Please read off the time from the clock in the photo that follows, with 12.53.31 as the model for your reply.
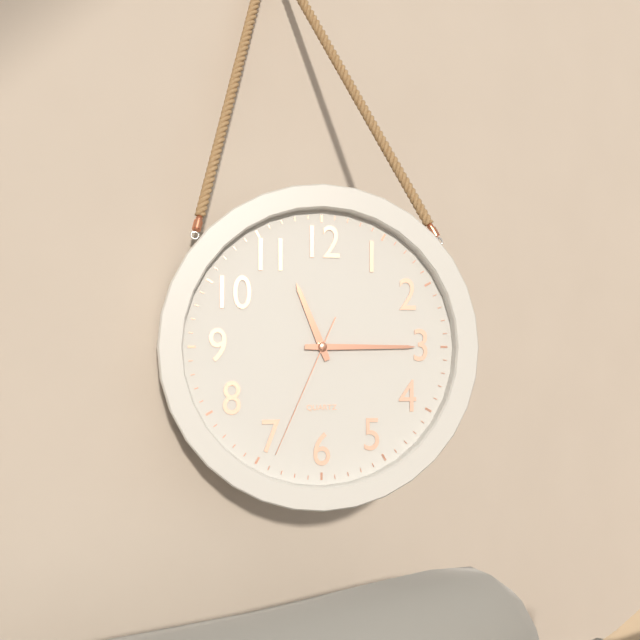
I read 11.15.34
